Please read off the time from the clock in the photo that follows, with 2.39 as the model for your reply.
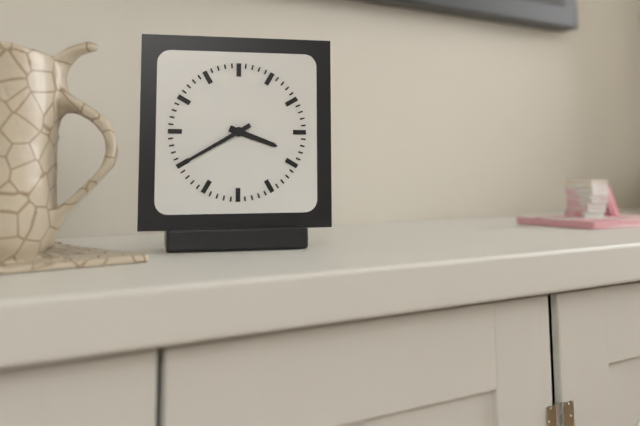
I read 3.40
